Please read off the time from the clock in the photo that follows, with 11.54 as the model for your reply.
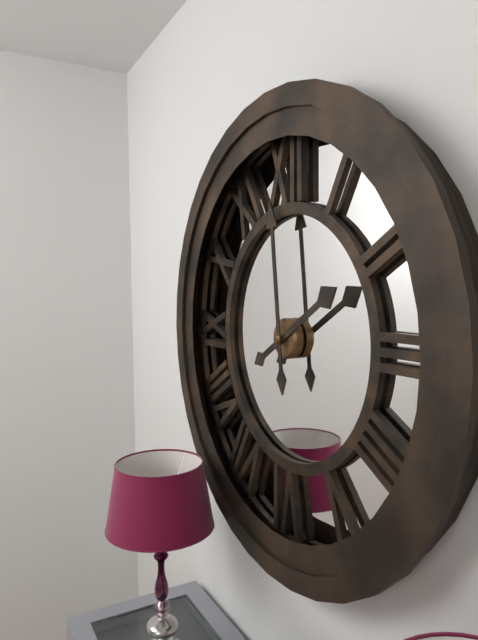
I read 1.59
